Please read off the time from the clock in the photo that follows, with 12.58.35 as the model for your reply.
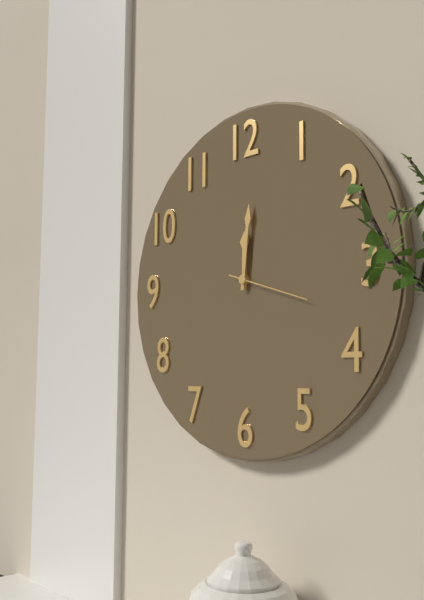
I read 12.01.18
